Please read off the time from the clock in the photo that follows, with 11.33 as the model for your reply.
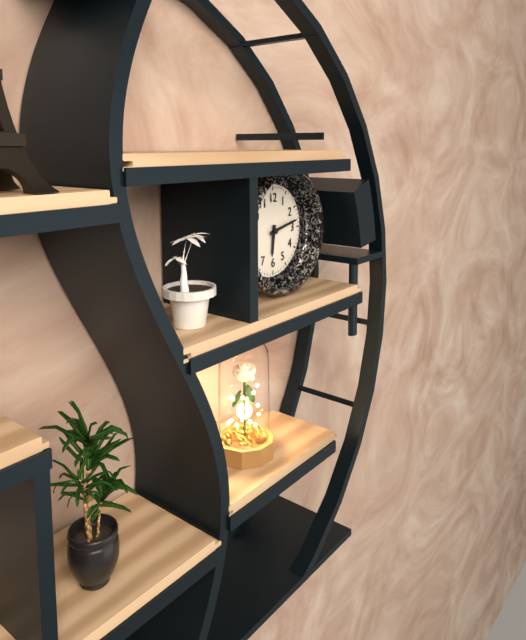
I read 6.13
